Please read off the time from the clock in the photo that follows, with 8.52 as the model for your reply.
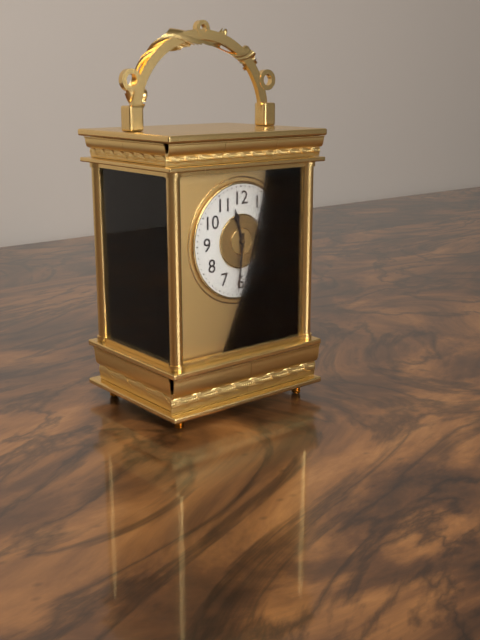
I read 11.31
